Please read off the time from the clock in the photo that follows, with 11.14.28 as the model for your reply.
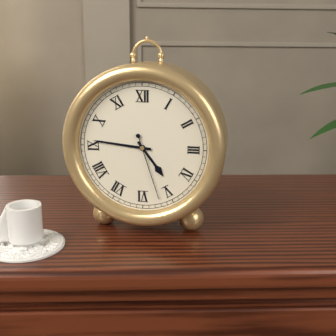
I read 4.46.27
